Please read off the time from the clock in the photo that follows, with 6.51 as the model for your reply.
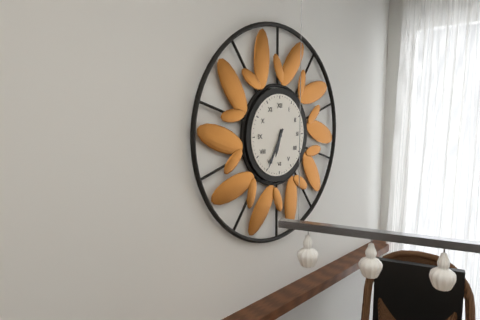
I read 6.35
